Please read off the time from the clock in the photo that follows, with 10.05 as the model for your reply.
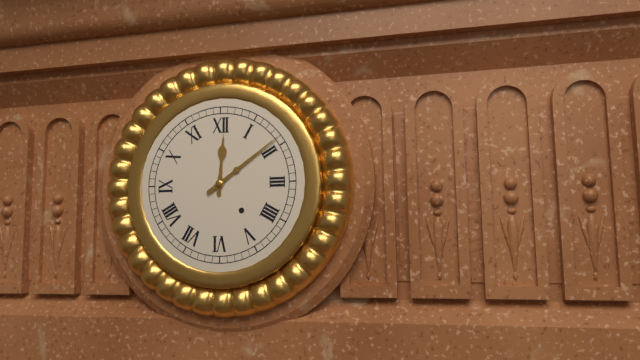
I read 12.09
